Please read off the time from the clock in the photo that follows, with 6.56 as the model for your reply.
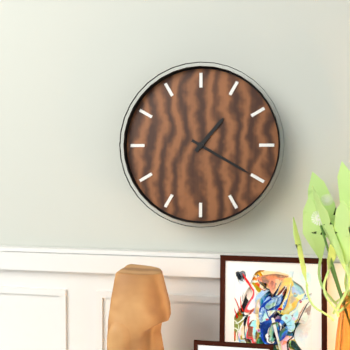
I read 1.20
